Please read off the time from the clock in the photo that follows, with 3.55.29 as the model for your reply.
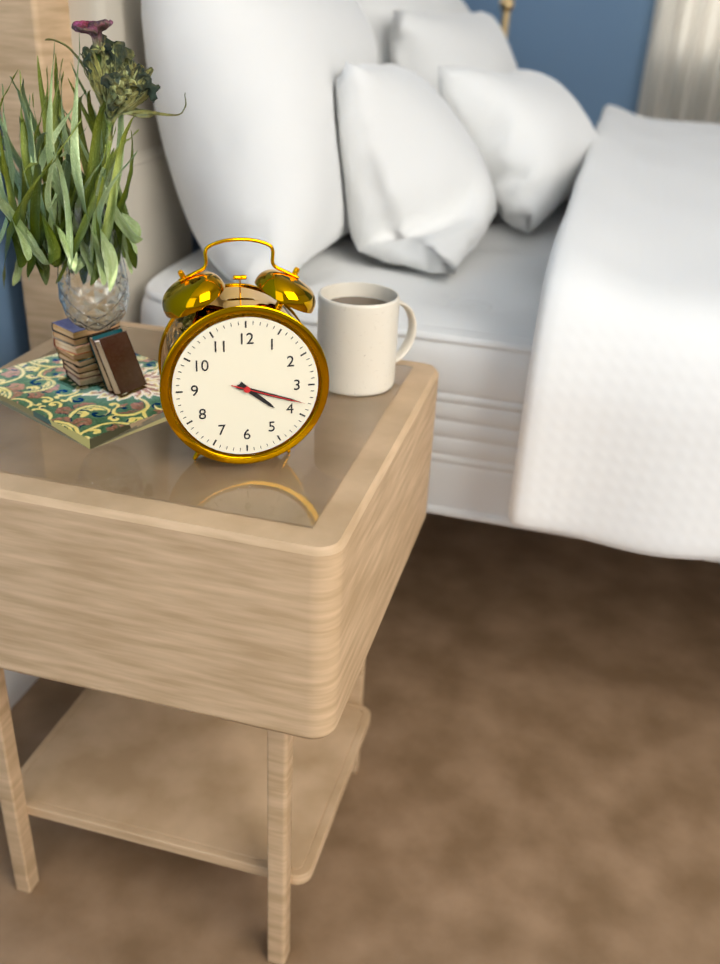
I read 4.18.18
